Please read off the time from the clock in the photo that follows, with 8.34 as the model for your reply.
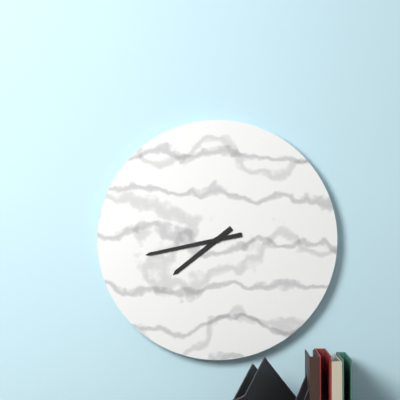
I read 7.43
